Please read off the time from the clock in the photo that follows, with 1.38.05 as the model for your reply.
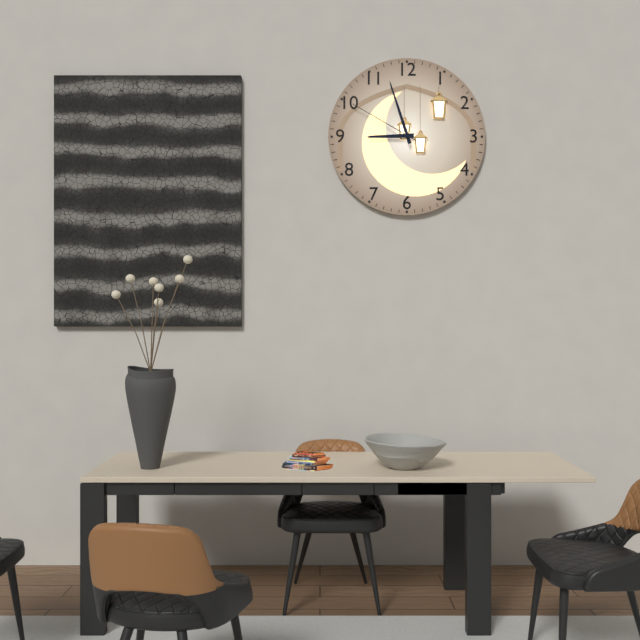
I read 8.57.50
